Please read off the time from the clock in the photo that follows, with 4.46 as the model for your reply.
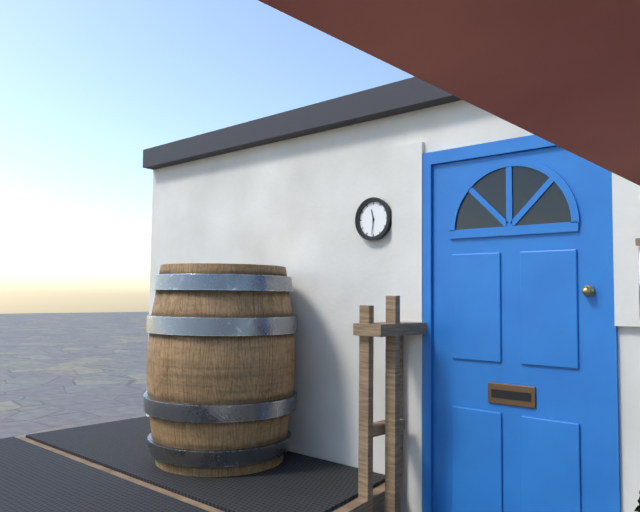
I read 11.31
